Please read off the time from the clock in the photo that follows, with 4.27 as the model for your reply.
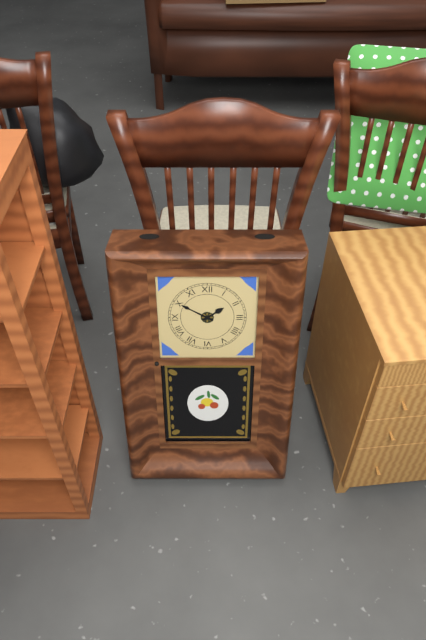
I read 1.50
